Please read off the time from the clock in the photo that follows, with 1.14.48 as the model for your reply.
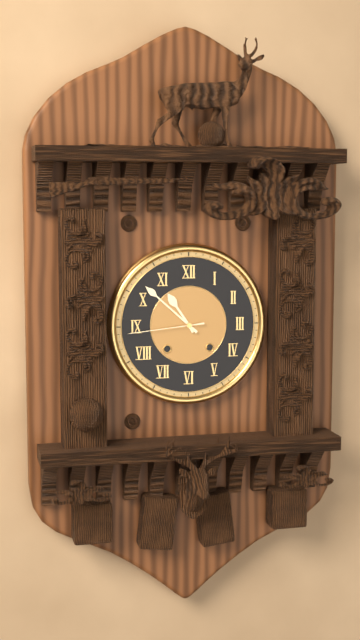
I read 10.52.44
